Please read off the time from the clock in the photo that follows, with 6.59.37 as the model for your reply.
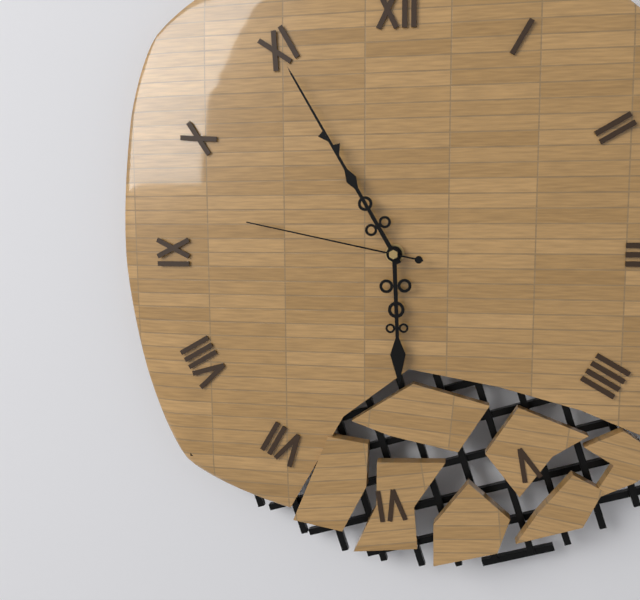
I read 5.55.47
